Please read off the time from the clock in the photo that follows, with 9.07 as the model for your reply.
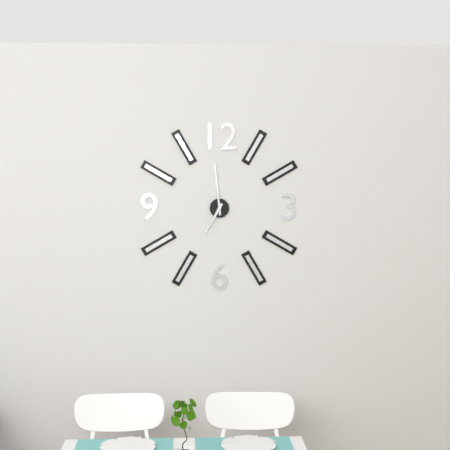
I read 6.59
